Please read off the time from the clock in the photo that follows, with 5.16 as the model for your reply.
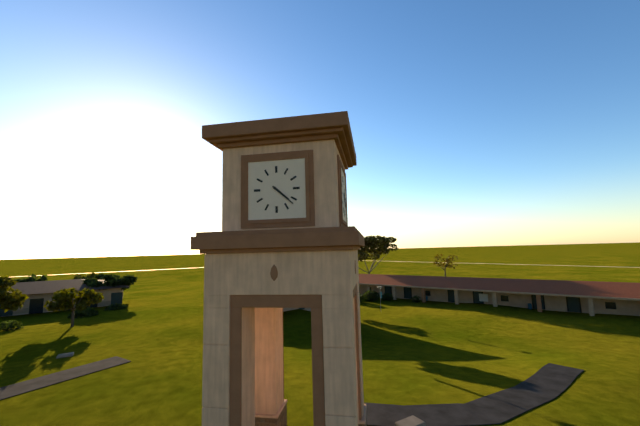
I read 4.22
